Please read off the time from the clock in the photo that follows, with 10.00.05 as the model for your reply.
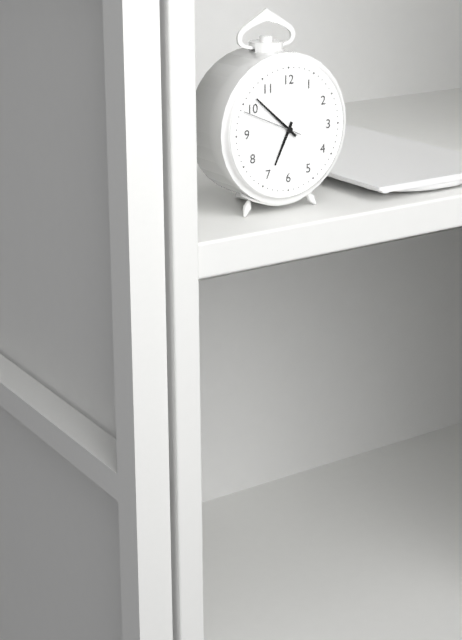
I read 6.52.49
